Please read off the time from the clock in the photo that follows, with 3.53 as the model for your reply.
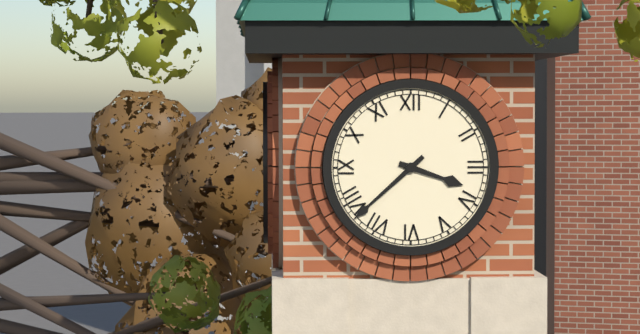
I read 3.38
